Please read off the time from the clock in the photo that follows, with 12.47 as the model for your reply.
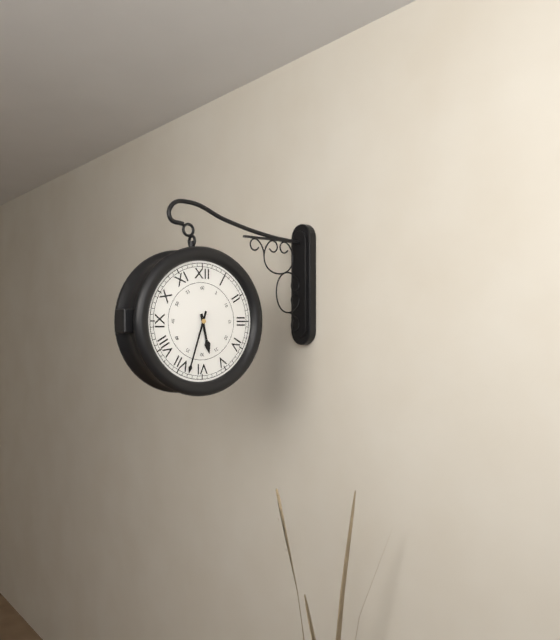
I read 5.33
